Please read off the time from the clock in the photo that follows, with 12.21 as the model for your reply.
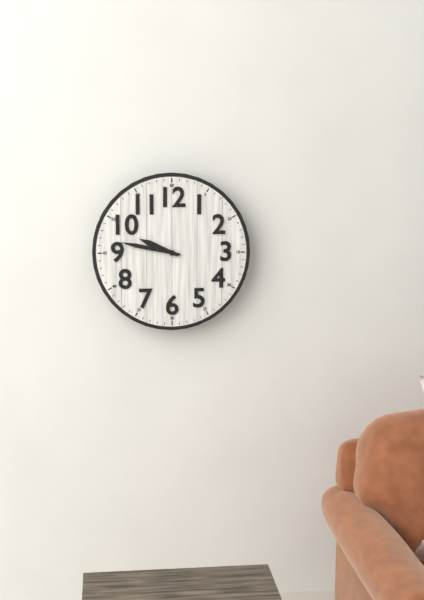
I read 9.47
